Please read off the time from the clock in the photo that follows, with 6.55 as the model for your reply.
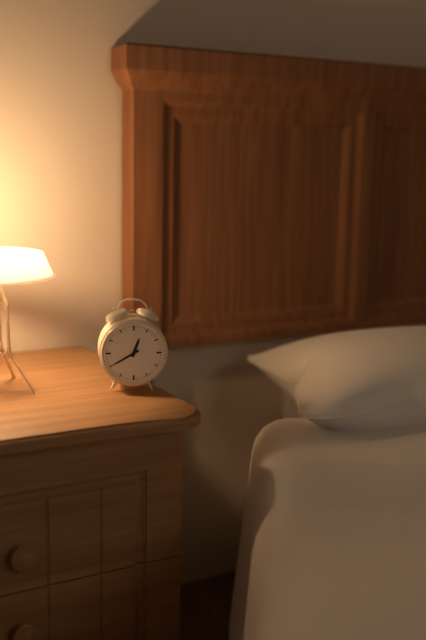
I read 12.40
